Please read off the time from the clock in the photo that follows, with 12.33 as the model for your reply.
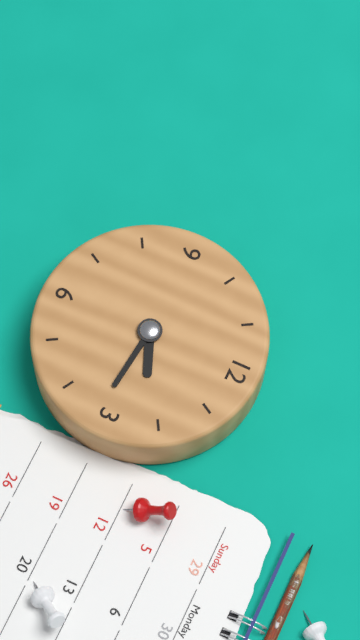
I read 2.16
